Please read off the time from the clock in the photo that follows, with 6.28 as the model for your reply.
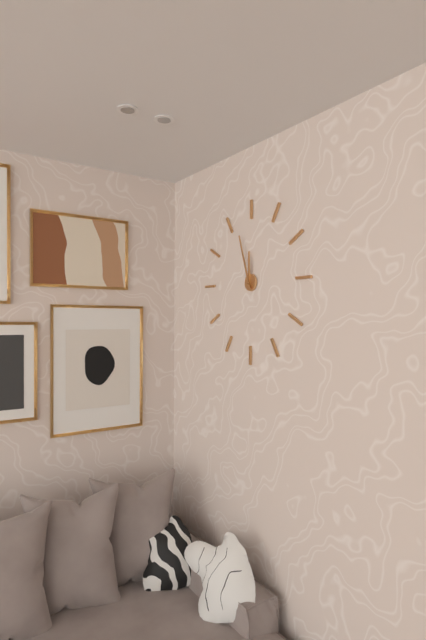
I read 11.57
